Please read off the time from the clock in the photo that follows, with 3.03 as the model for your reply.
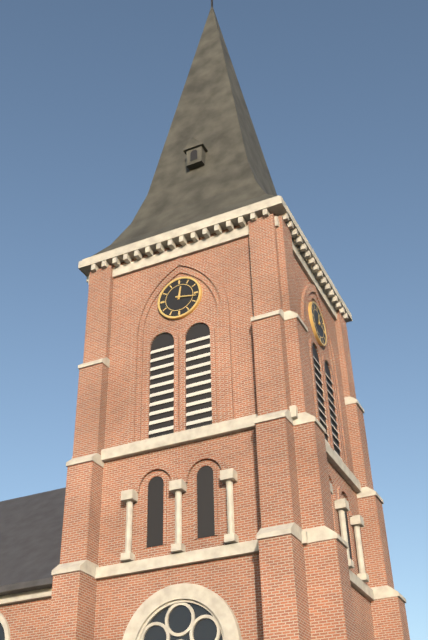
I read 12.17
